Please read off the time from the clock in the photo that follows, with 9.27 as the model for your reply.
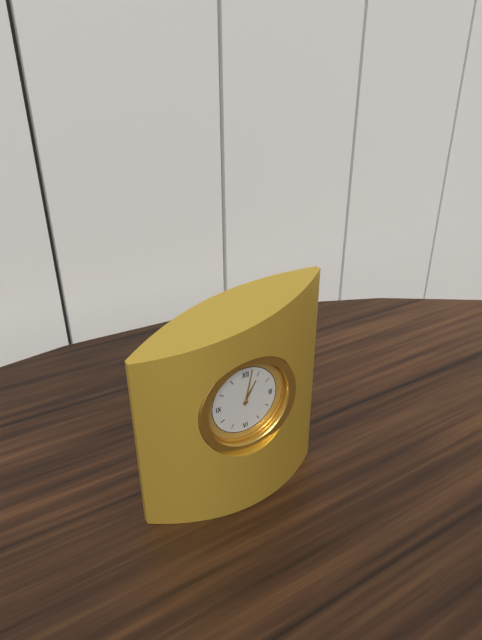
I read 1.02
